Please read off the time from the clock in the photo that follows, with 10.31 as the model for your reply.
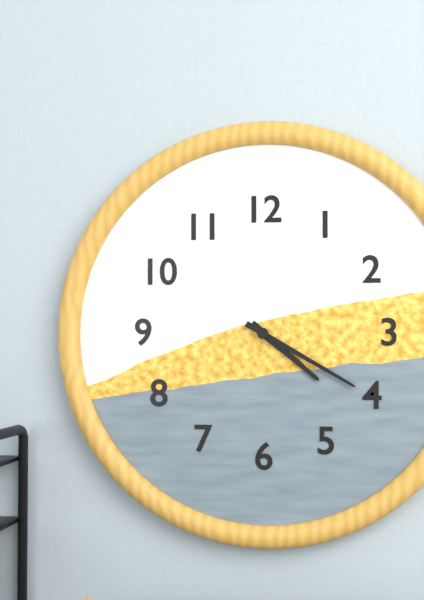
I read 4.20
